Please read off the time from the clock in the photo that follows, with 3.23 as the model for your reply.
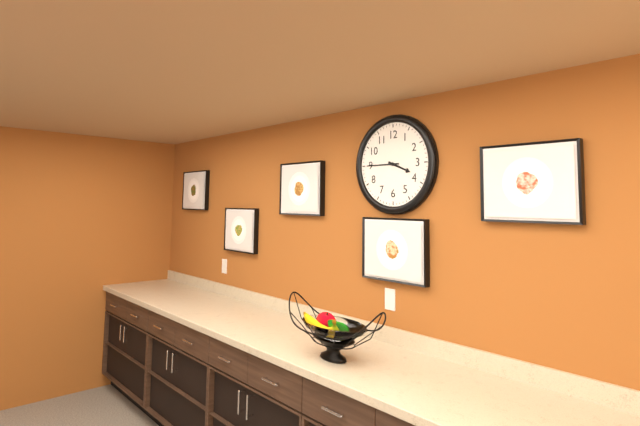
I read 3.45
